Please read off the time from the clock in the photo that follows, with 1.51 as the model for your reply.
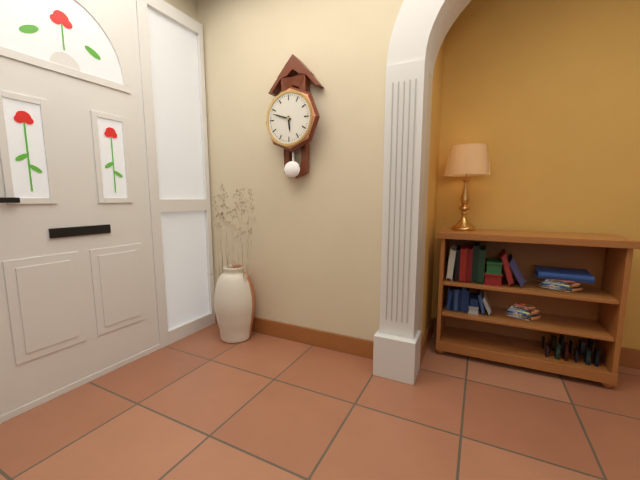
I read 5.48
